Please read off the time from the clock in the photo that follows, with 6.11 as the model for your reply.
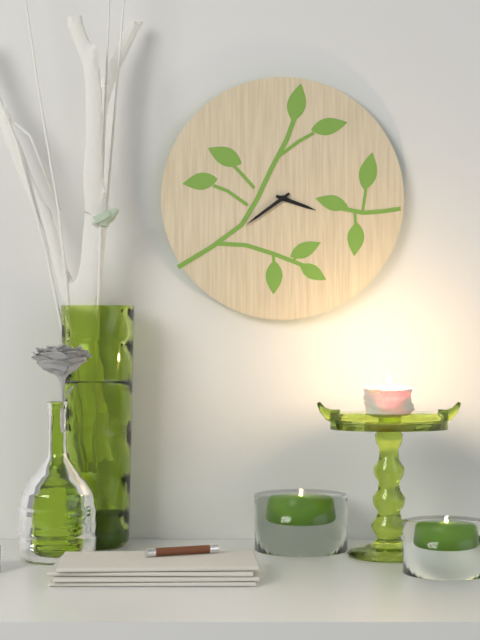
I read 3.39
